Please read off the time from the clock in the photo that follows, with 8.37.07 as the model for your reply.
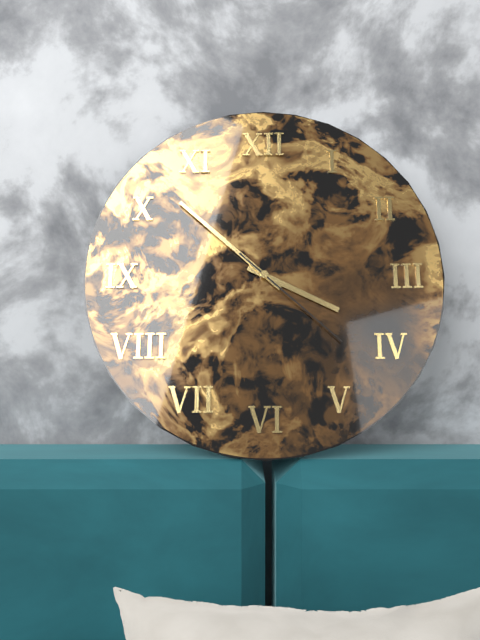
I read 3.52.22
